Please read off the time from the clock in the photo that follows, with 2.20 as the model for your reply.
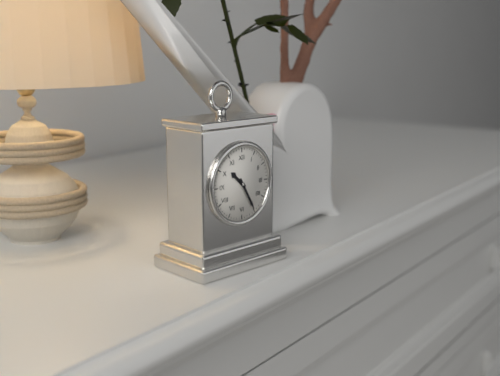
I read 10.25
